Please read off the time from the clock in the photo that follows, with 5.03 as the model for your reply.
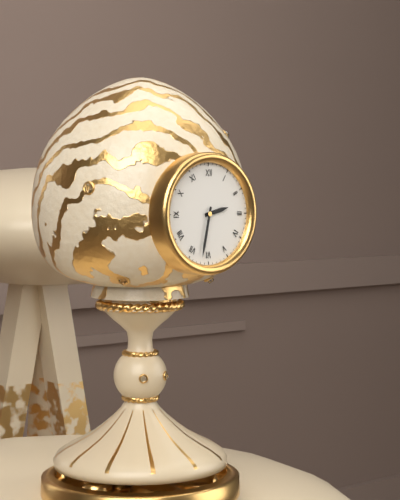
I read 2.32
